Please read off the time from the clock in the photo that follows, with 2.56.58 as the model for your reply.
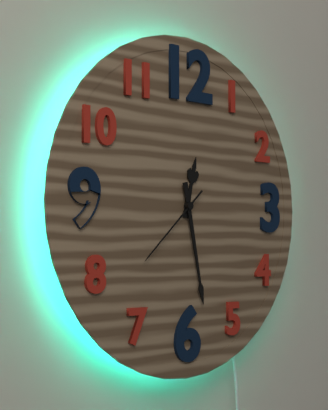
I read 12.28.38
